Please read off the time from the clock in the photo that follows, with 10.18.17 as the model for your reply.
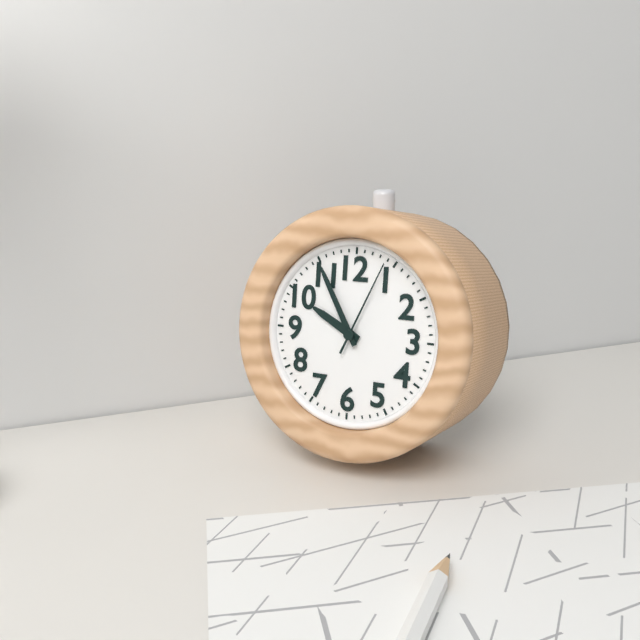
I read 9.55.04
